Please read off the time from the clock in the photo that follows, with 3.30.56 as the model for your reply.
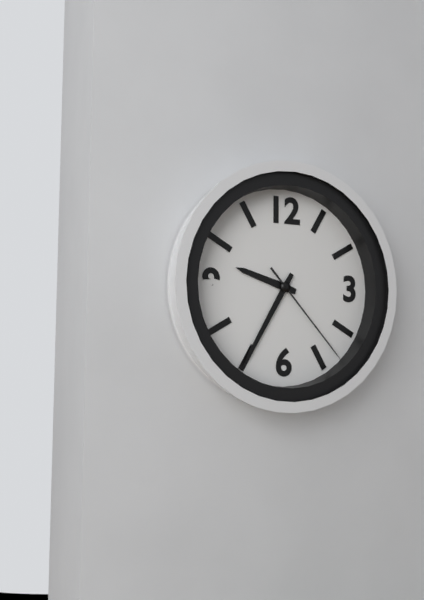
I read 9.35.23
